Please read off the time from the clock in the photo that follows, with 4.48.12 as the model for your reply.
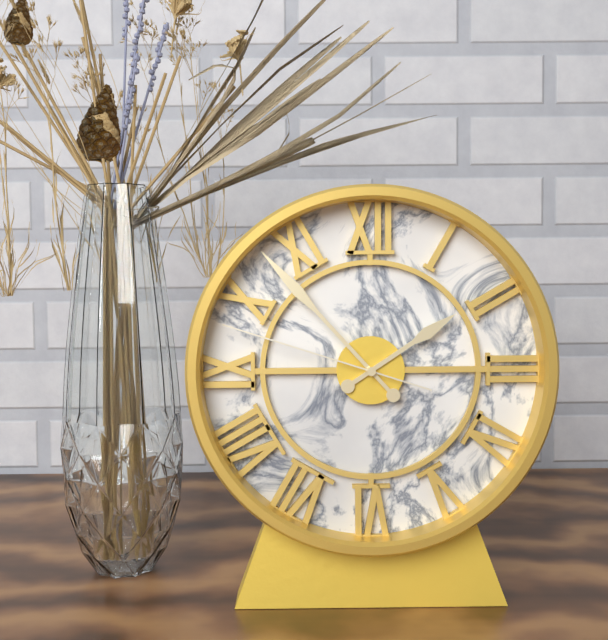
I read 1.53.48
